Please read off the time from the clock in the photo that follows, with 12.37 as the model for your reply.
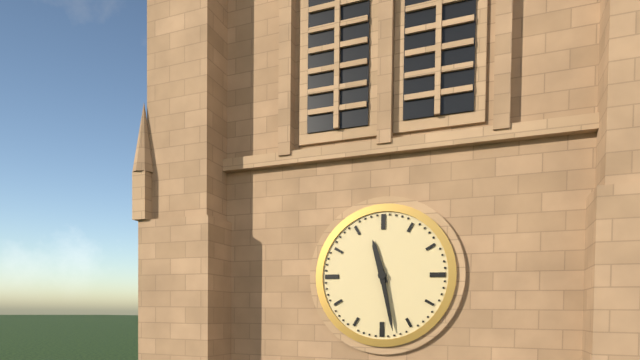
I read 11.28
